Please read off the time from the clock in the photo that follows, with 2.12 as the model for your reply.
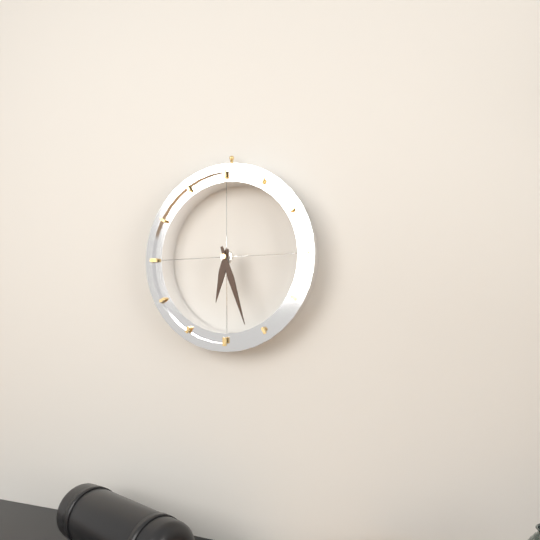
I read 6.27
